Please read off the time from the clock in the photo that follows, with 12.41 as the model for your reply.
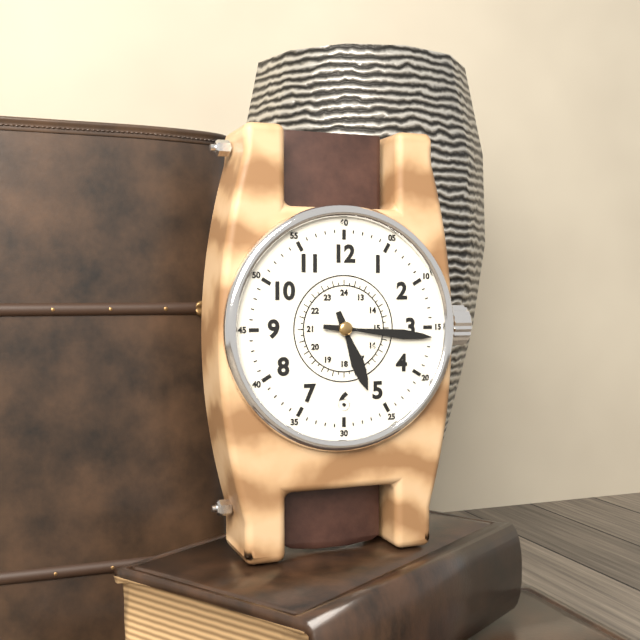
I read 5.16
